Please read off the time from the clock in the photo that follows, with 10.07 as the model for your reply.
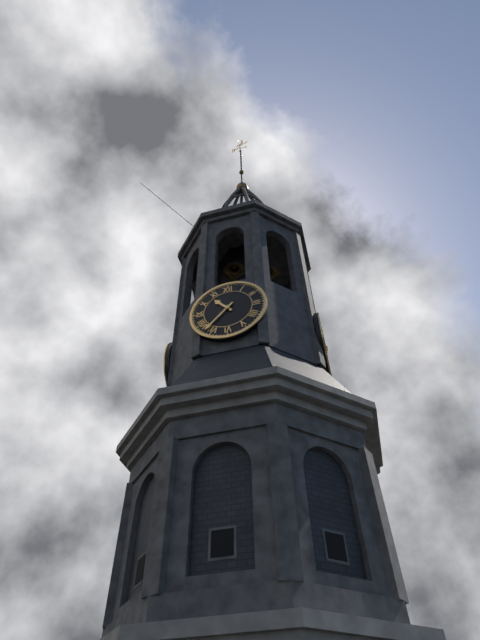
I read 10.37
